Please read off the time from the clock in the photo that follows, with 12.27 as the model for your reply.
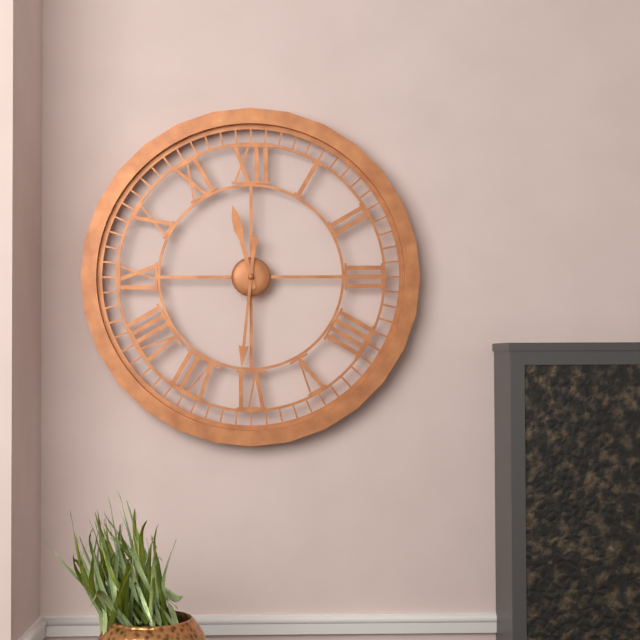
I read 11.31
